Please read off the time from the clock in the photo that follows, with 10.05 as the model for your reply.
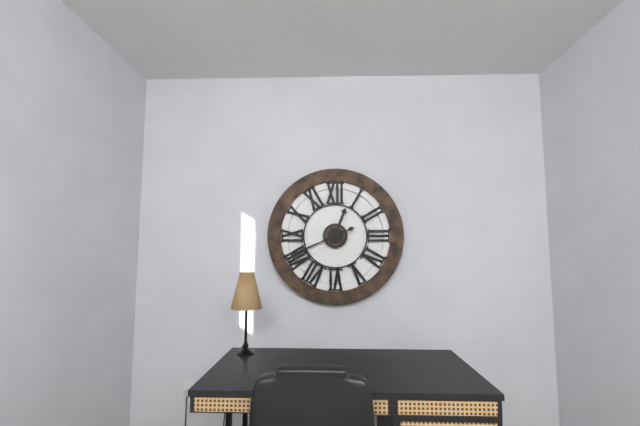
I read 12.41
